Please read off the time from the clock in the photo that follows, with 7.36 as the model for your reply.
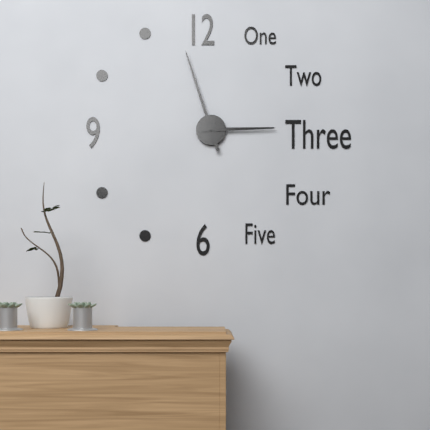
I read 2.57
